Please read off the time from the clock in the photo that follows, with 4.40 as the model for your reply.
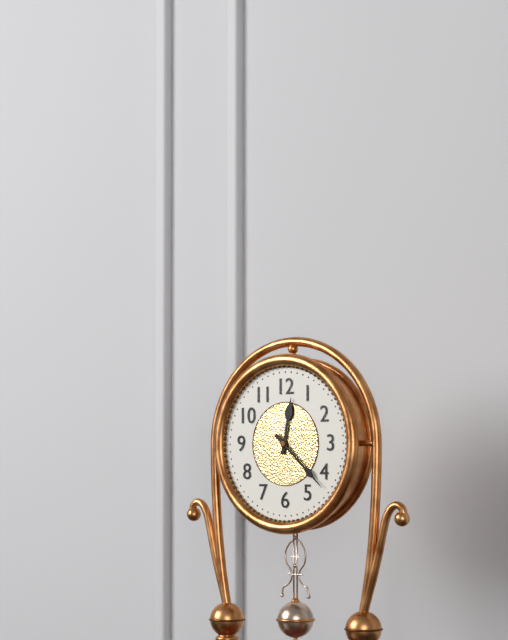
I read 12.22
